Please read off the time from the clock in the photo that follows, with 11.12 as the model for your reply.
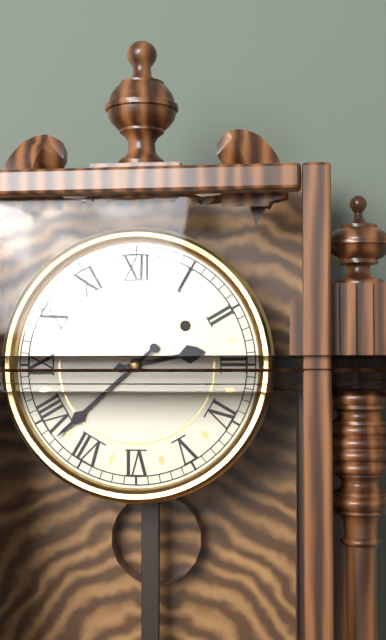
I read 2.38
